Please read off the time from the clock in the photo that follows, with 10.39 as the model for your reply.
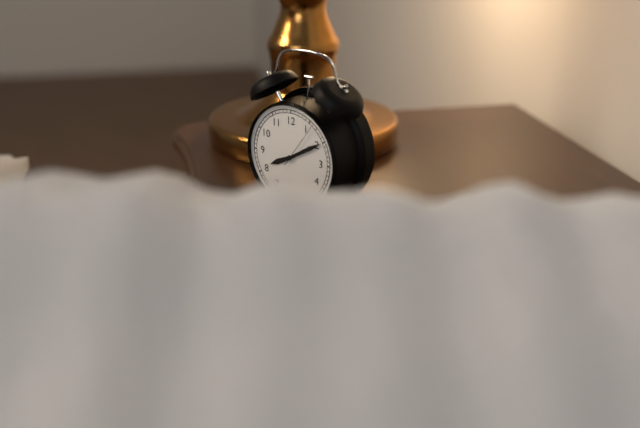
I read 8.10
